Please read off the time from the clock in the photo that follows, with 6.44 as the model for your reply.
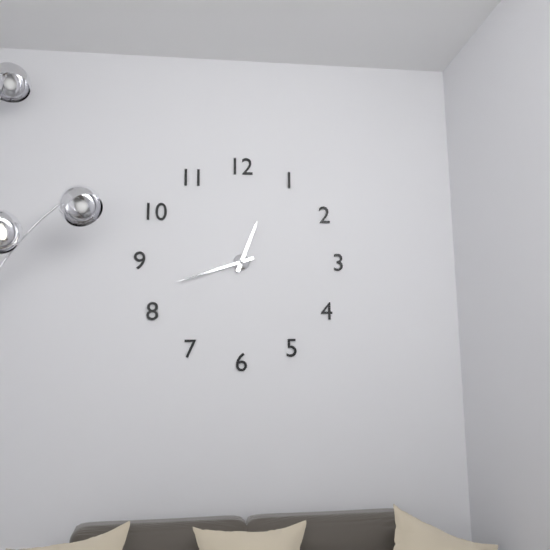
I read 12.42
